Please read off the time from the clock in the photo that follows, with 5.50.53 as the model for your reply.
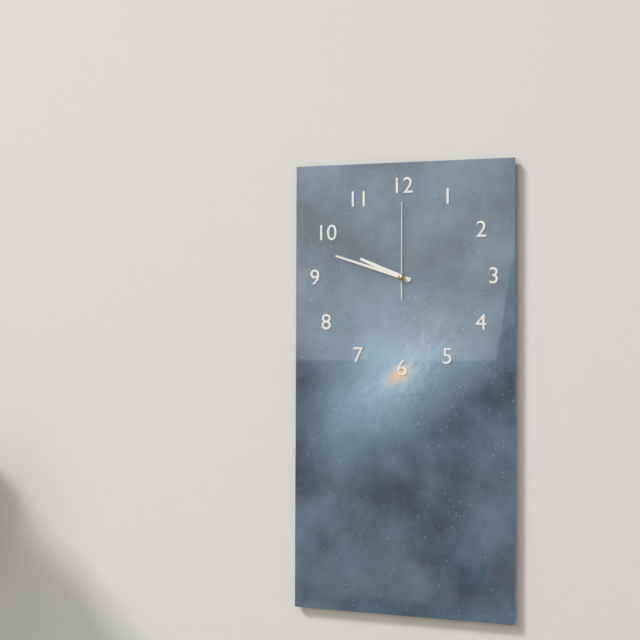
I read 9.48.00
